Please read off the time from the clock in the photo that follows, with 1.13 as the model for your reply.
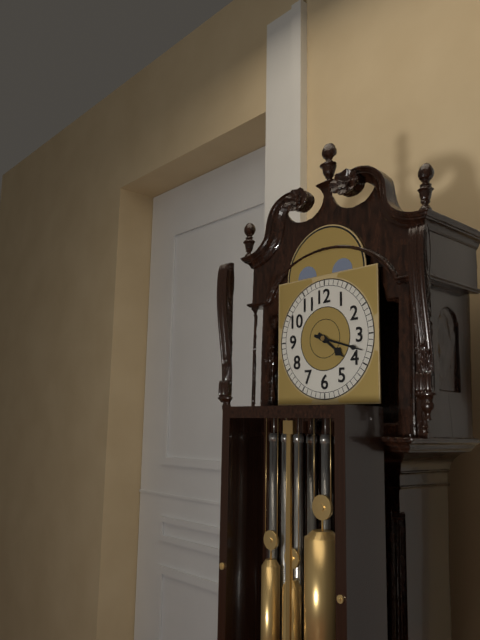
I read 4.18
